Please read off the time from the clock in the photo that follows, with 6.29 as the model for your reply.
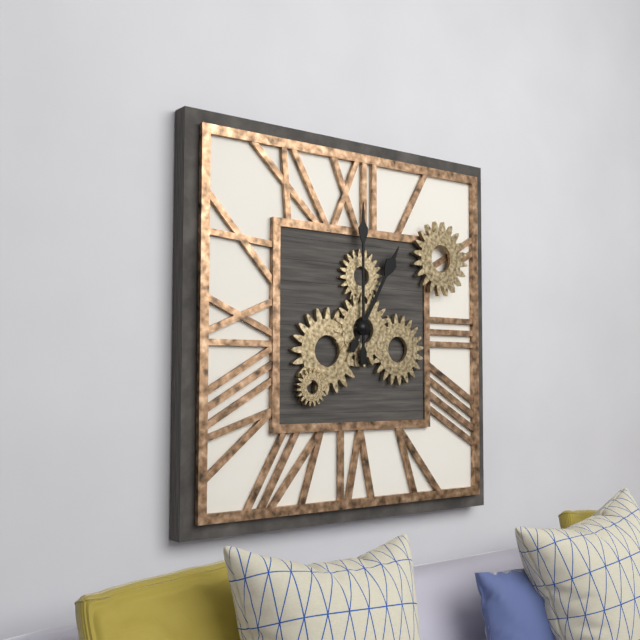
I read 1.00
